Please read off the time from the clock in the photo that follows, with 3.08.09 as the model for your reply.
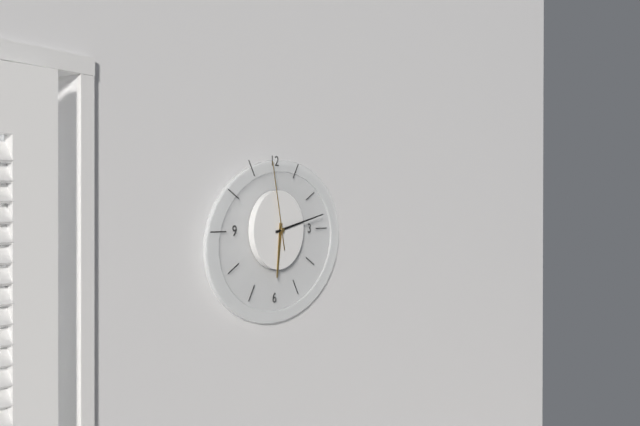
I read 6.13.58
